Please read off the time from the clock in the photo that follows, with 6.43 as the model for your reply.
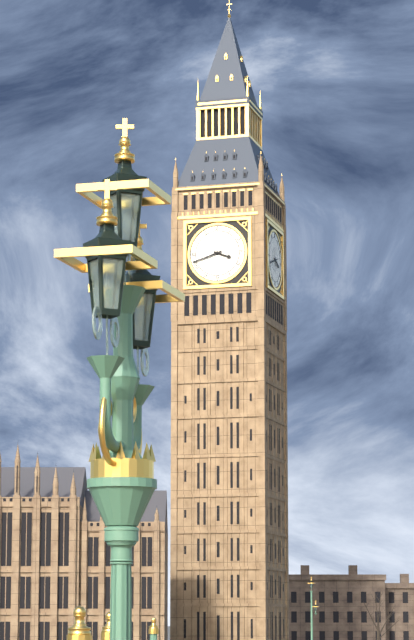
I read 3.42
